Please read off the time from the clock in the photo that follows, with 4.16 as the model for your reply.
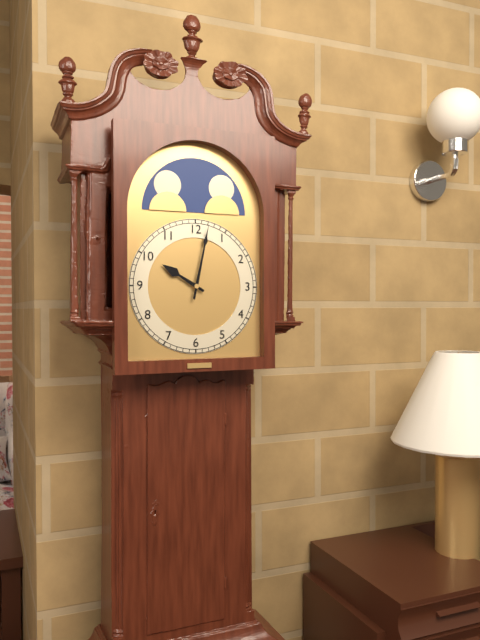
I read 10.02
